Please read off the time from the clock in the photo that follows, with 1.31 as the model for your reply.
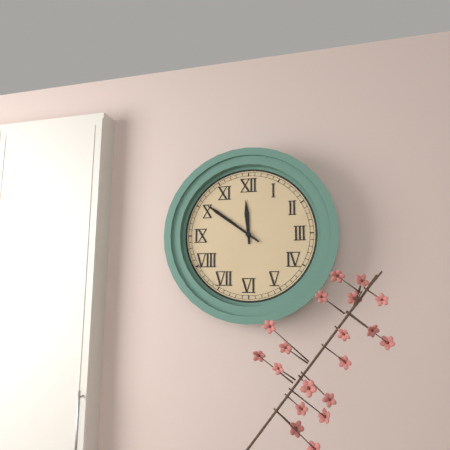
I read 11.51
